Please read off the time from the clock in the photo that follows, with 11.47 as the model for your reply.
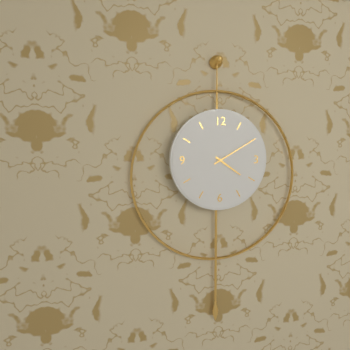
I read 4.10
